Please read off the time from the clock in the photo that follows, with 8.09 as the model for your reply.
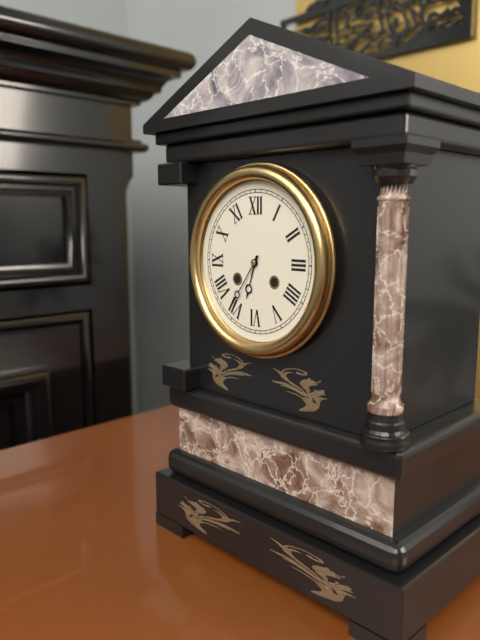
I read 6.36
